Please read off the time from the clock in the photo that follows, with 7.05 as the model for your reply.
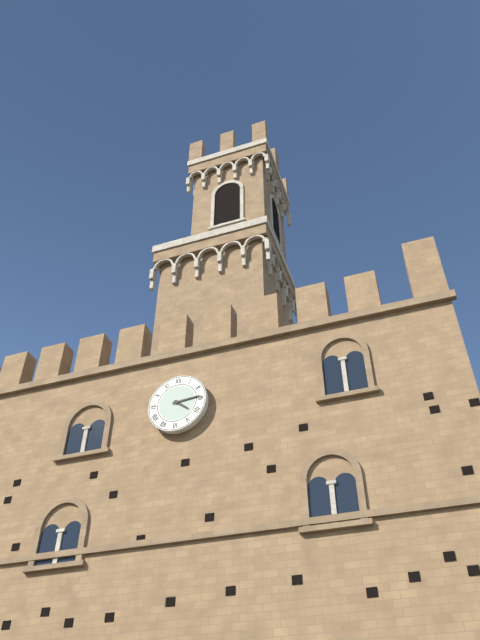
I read 4.14
